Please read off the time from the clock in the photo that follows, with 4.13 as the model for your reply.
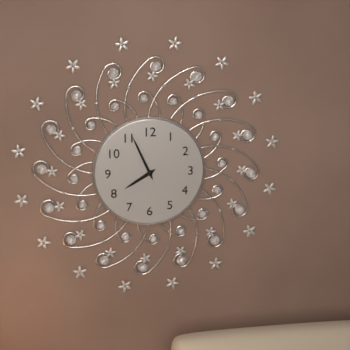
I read 7.56
